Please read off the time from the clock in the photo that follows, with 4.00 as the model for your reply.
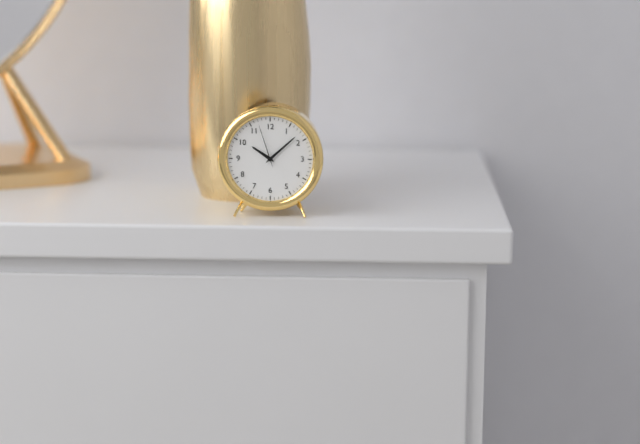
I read 10.08
